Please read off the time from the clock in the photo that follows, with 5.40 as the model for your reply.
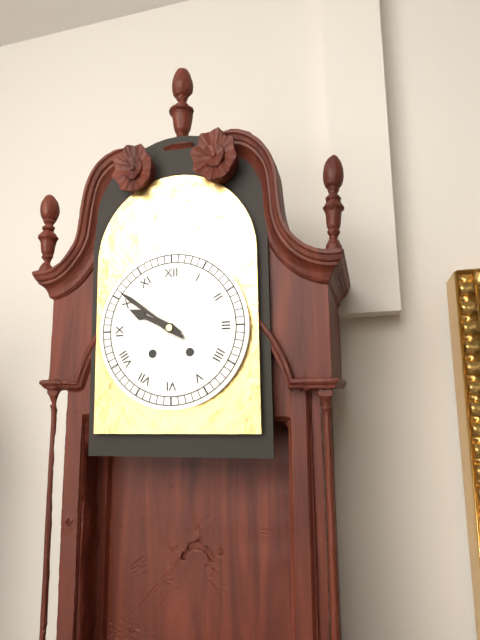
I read 9.51
